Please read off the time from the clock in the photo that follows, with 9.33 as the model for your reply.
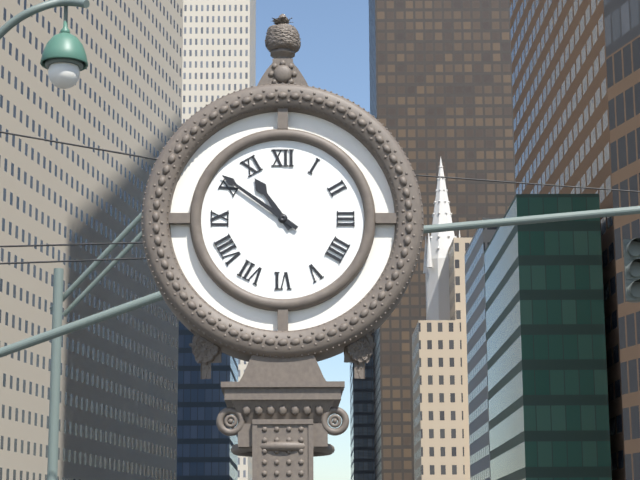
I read 10.51
